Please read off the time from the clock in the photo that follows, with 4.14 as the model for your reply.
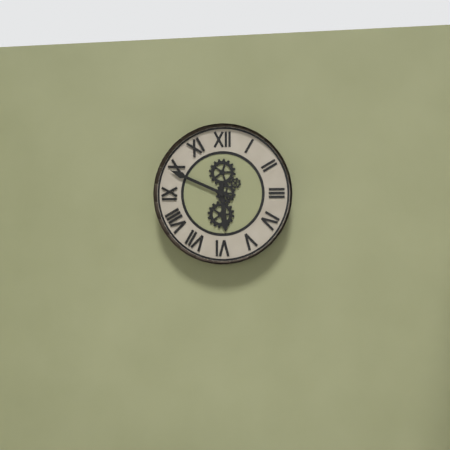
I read 5.49
